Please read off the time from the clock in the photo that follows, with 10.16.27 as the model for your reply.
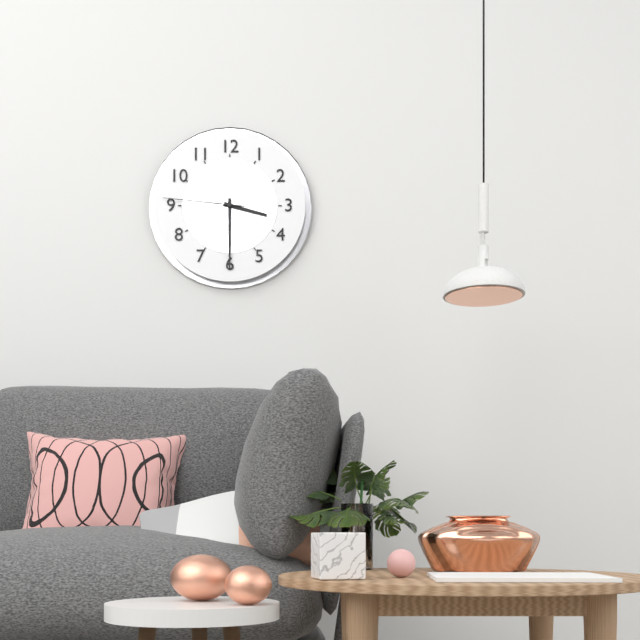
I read 3.30.46
